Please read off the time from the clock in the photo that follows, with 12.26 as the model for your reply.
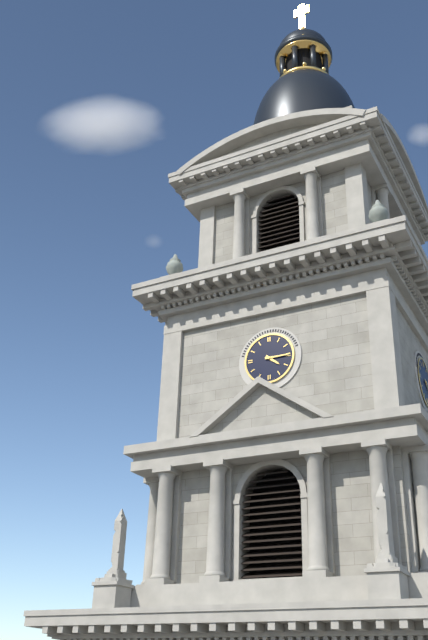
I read 4.15
